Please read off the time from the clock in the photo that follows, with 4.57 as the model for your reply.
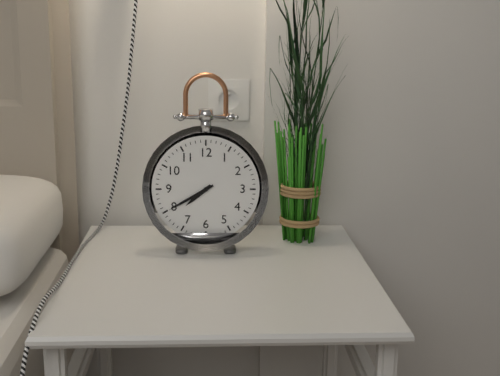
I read 7.40
